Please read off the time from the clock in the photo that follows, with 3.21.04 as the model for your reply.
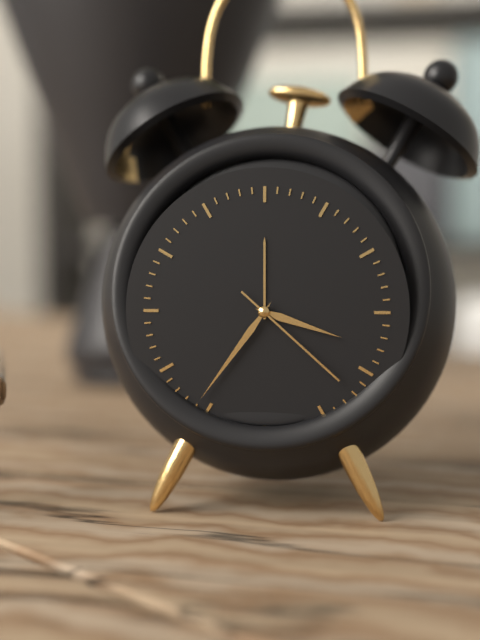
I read 3.36.22
